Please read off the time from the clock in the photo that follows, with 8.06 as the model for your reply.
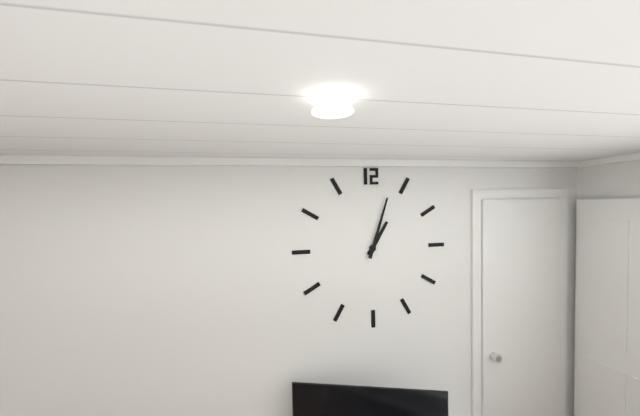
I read 1.03
